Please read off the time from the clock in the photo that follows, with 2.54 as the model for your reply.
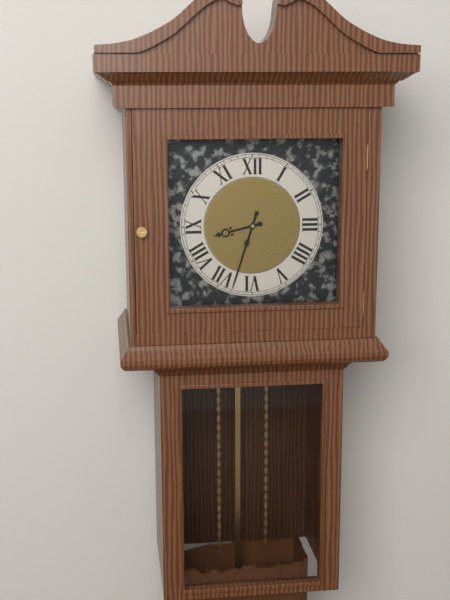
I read 8.33
